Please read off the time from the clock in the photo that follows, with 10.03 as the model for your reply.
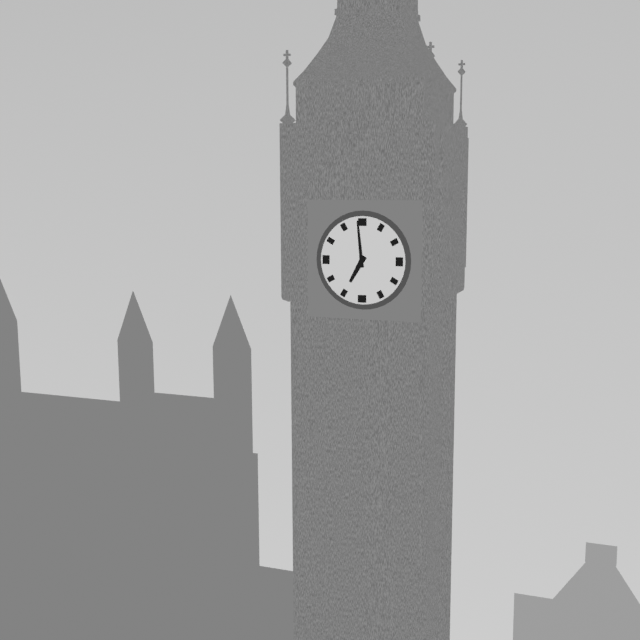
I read 6.59
